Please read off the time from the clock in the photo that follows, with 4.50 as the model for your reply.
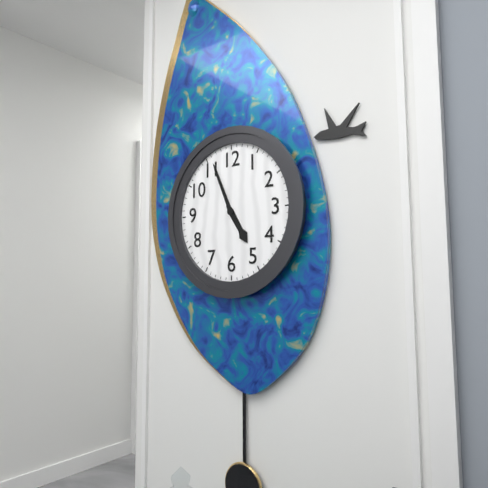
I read 4.56
